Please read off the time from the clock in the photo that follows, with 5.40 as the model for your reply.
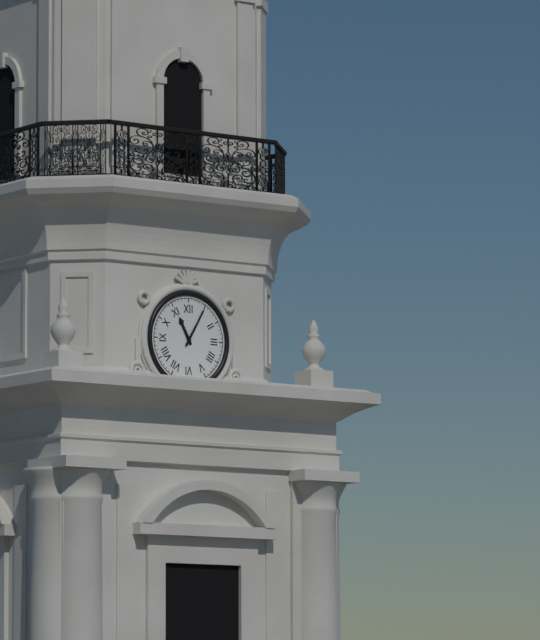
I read 11.05
